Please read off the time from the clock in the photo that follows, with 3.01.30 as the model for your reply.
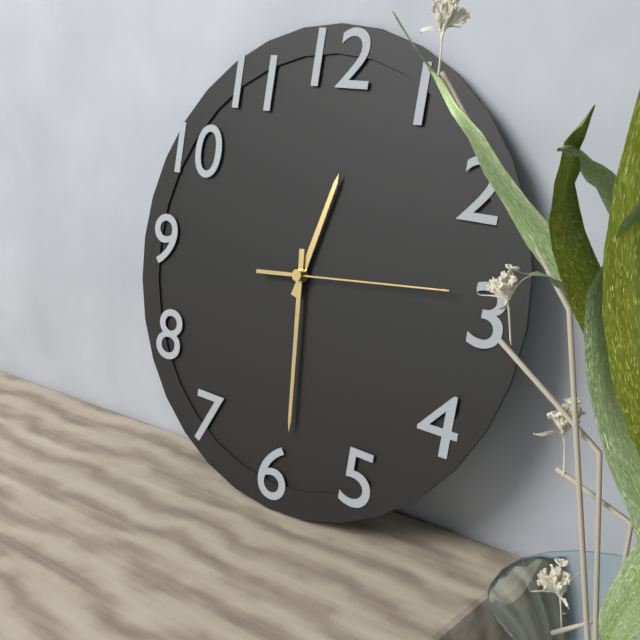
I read 12.29.14
